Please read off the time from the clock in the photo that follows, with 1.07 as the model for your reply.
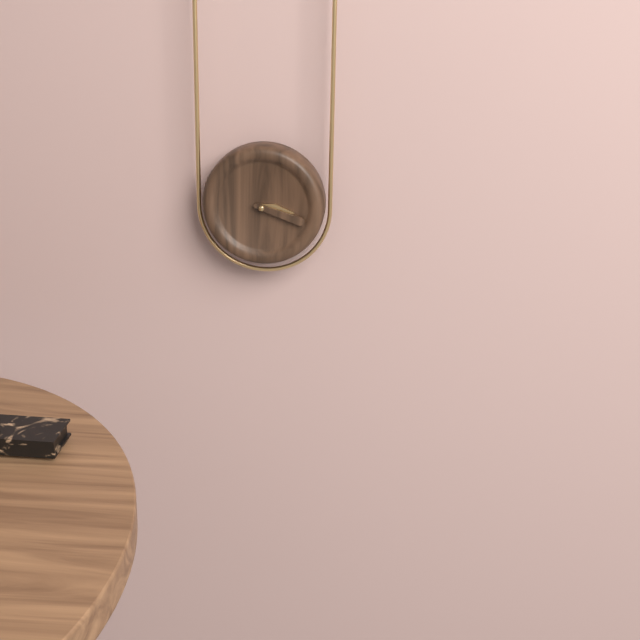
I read 3.18
